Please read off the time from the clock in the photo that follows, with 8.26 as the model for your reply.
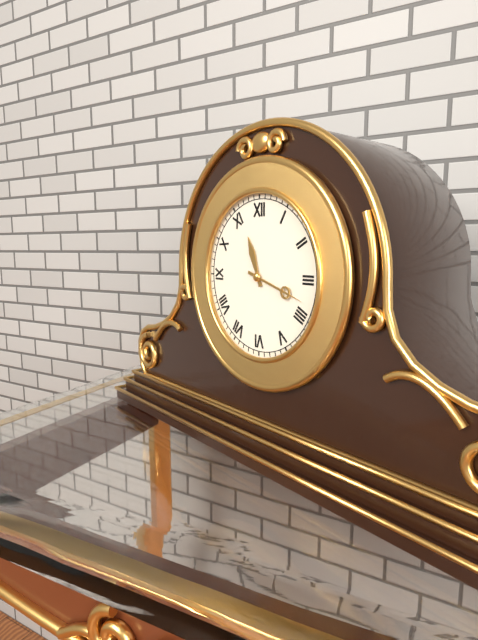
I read 11.18
